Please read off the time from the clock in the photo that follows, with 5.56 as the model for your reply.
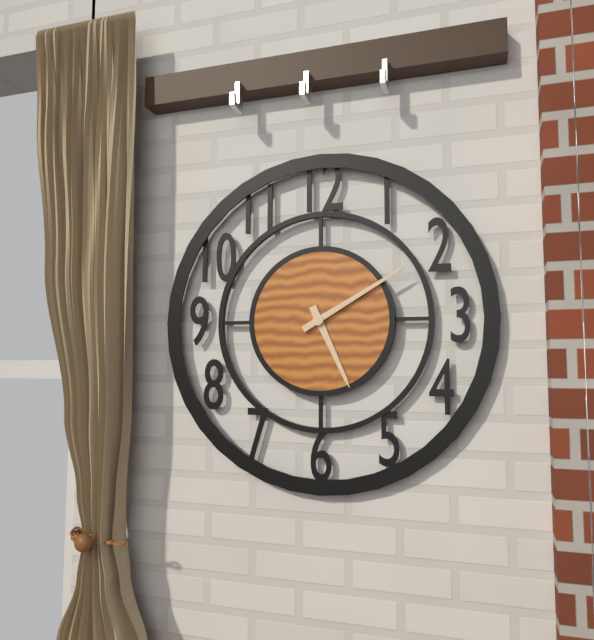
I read 5.10
